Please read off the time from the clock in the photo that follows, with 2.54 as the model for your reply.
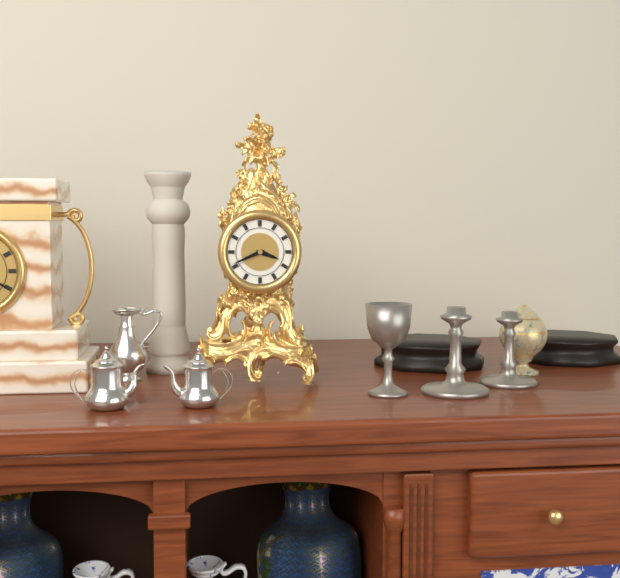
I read 3.41
